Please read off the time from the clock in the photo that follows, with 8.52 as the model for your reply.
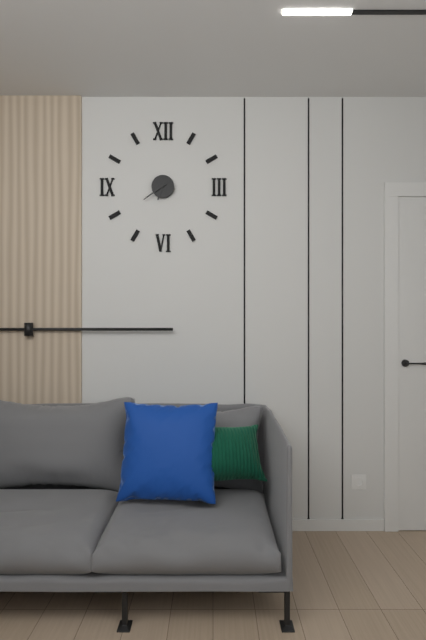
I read 6.39
